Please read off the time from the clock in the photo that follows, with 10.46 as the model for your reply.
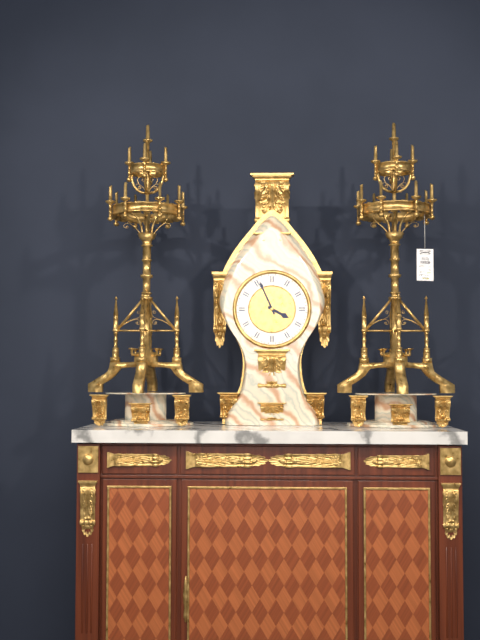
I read 3.56
